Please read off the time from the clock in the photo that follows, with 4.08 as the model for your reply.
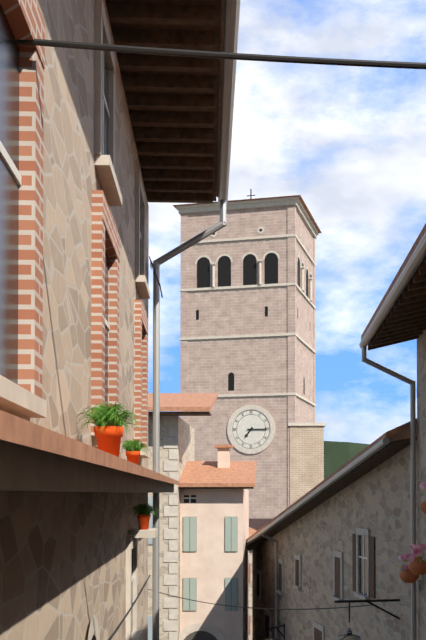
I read 7.15
